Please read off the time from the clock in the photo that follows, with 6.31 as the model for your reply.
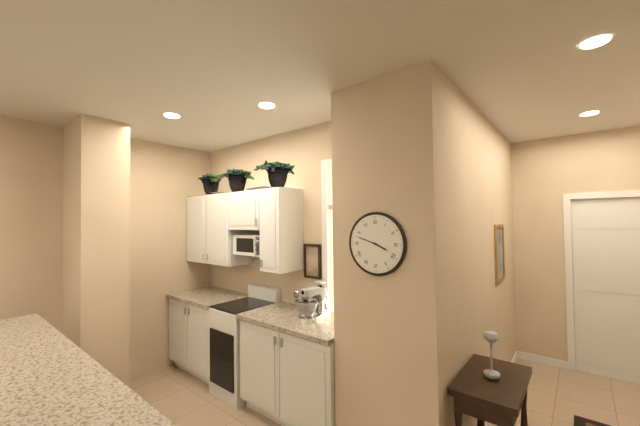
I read 3.48
